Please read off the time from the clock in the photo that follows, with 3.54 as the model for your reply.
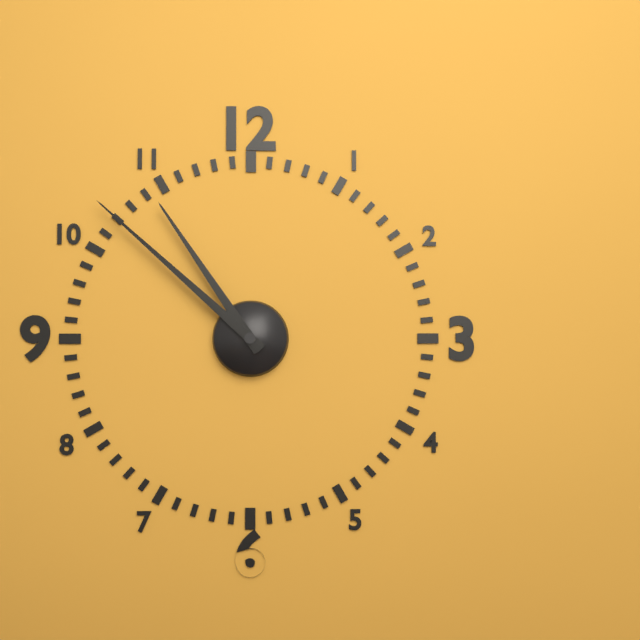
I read 10.52
